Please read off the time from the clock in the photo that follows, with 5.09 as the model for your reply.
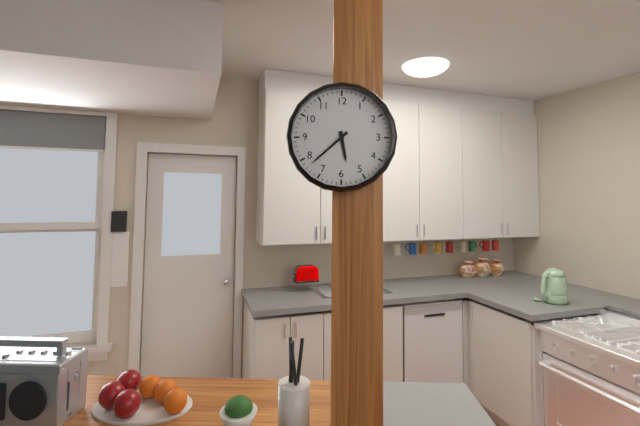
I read 5.38
